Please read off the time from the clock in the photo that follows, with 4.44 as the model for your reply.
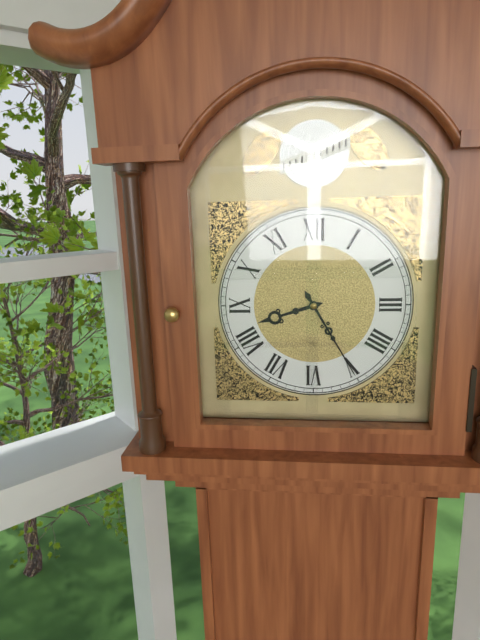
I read 8.25
